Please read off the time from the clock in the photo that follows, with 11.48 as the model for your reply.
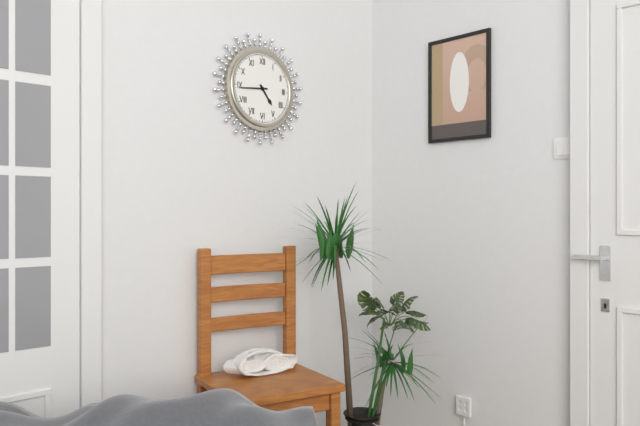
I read 4.44
